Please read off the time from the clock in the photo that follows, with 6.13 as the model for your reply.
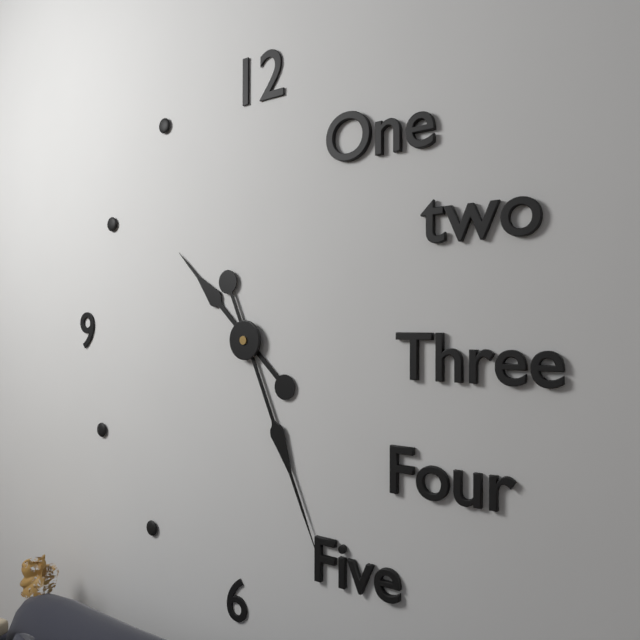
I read 10.26
